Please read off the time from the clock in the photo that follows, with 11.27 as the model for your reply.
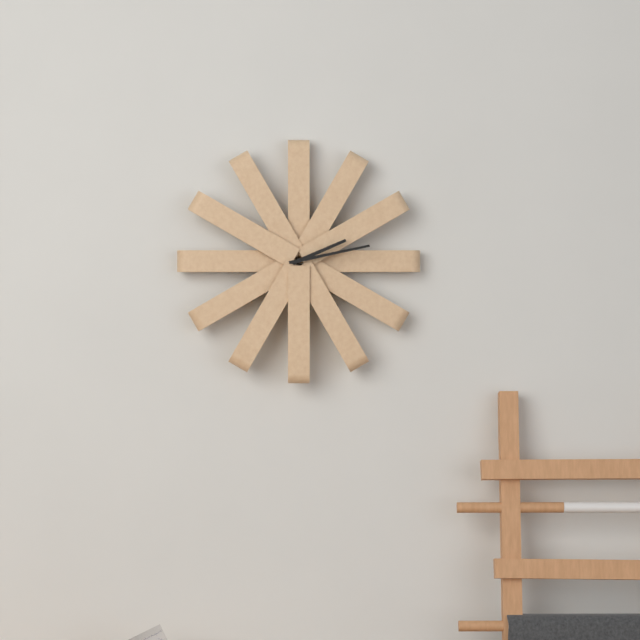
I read 2.13
